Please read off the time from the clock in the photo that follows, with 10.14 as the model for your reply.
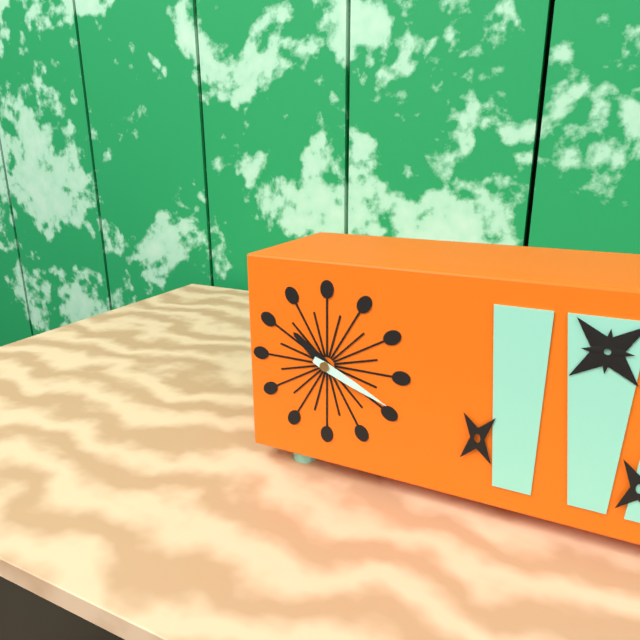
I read 10.19
